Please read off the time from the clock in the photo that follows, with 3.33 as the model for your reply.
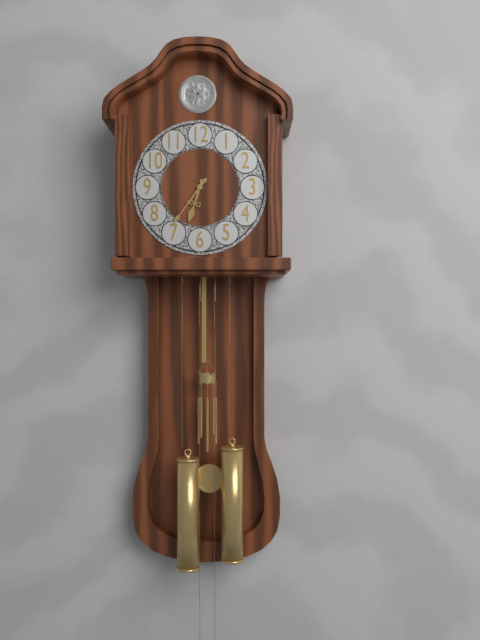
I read 6.36
